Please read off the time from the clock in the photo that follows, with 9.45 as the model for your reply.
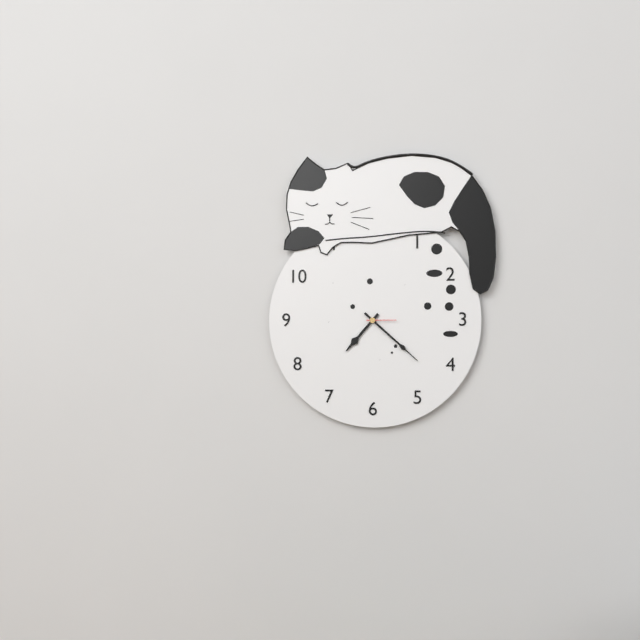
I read 7.22
